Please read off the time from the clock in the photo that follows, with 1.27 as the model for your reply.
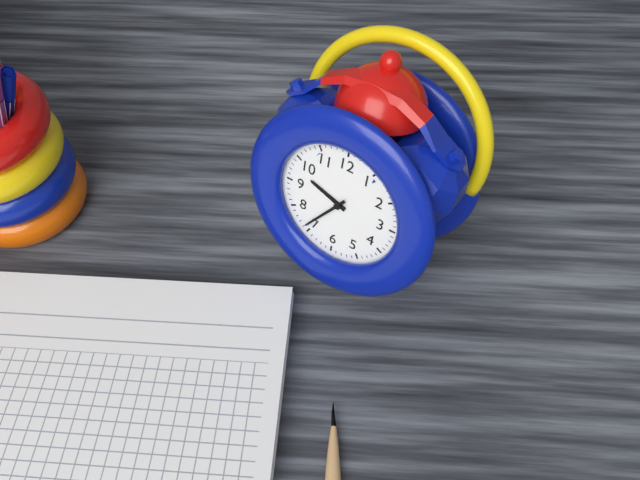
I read 9.36
